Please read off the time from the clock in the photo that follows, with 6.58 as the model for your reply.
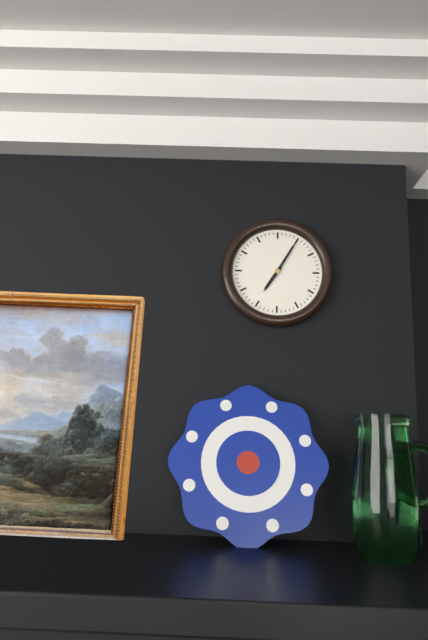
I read 7.05
